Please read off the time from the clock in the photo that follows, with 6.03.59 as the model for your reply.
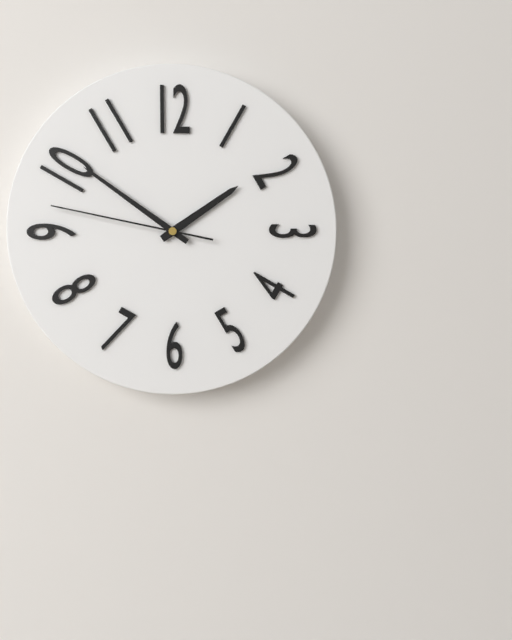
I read 1.51.47
